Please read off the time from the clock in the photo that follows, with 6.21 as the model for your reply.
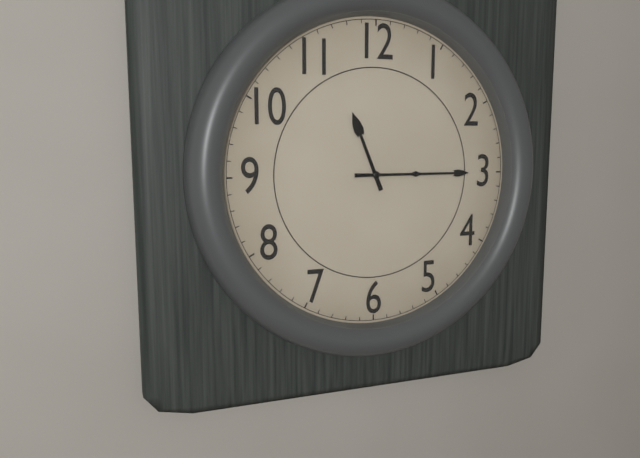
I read 11.15
